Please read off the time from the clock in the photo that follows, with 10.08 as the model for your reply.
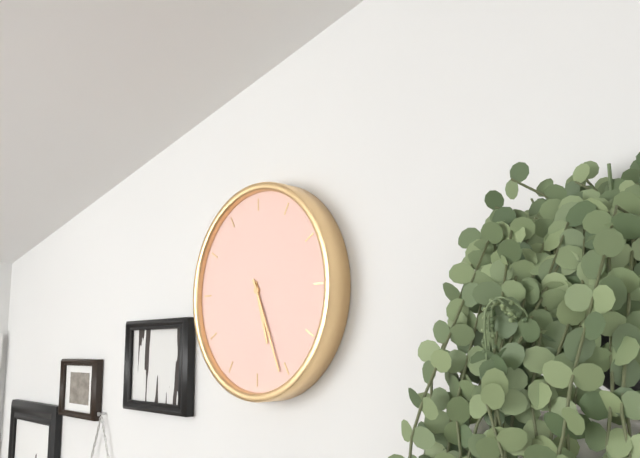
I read 5.26
